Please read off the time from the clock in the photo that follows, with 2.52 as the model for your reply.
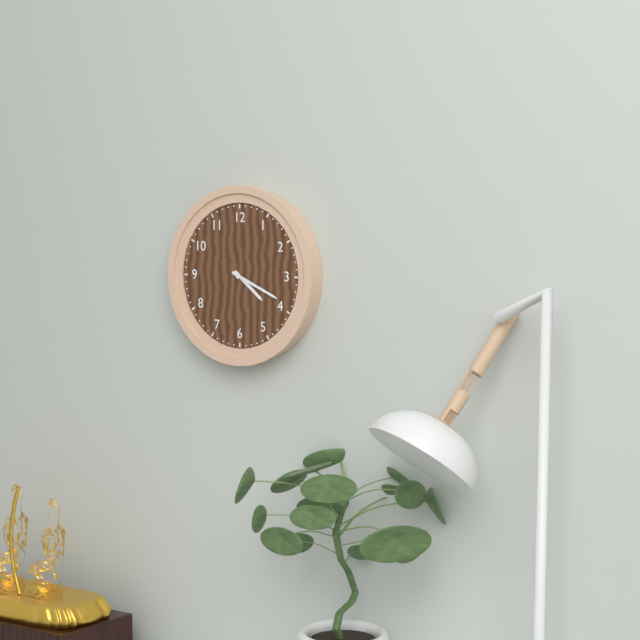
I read 4.19
